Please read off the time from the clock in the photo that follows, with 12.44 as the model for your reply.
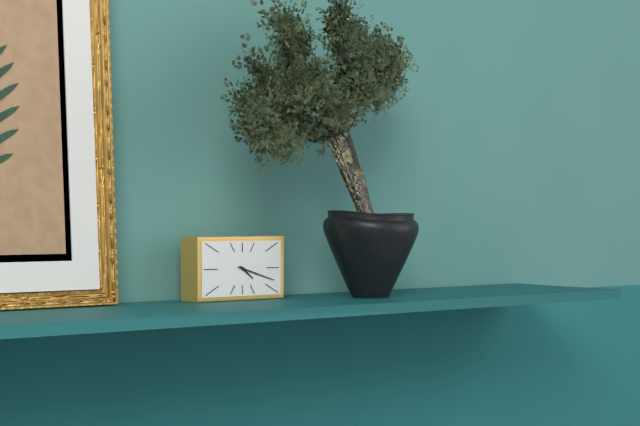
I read 4.18
